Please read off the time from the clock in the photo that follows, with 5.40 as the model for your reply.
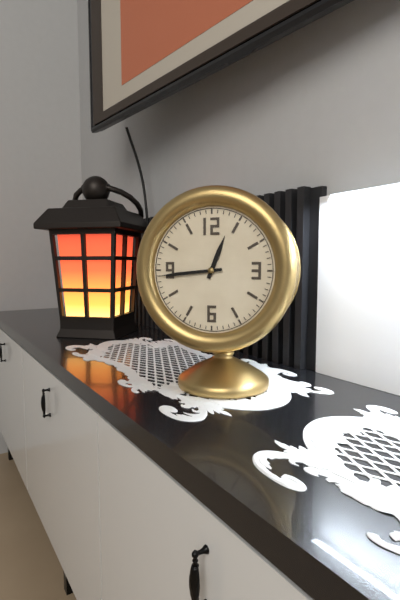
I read 12.44
